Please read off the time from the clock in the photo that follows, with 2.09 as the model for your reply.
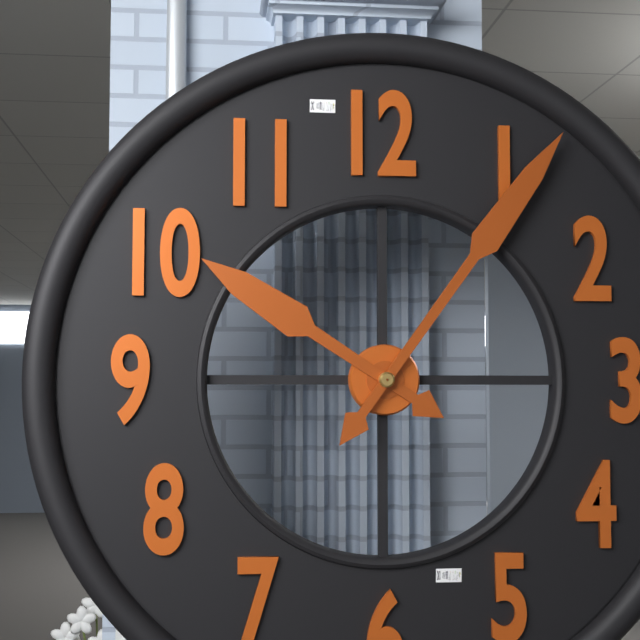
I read 10.06
